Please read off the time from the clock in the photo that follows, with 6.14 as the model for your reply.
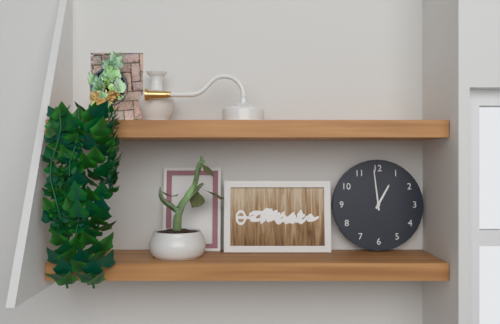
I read 12.59
